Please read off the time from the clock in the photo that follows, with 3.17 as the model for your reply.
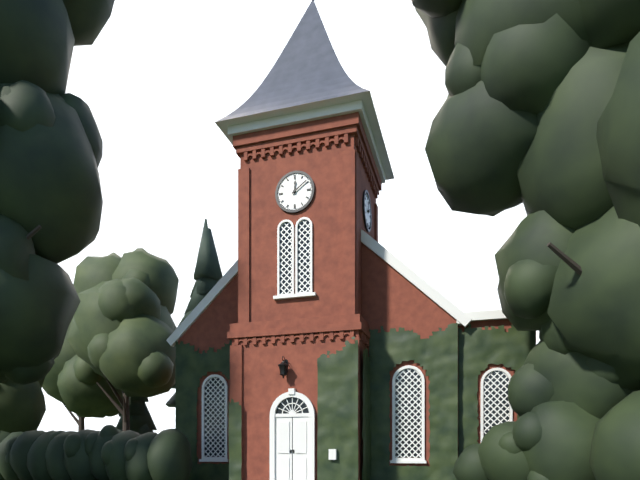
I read 12.09
